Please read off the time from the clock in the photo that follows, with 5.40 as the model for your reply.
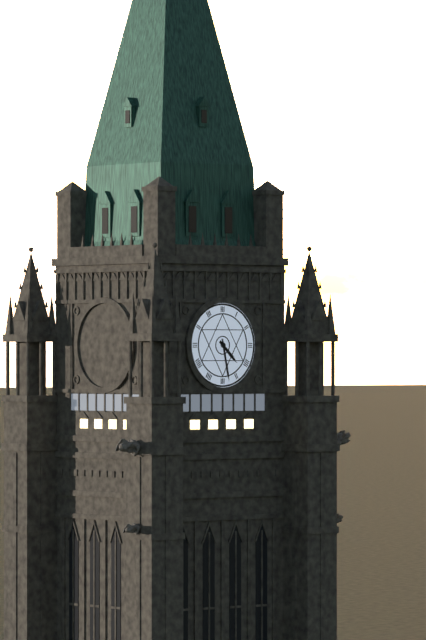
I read 4.28
